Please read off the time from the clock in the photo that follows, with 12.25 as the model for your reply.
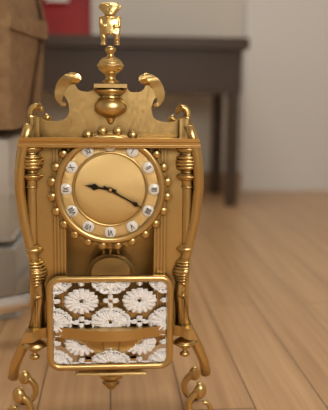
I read 9.20
